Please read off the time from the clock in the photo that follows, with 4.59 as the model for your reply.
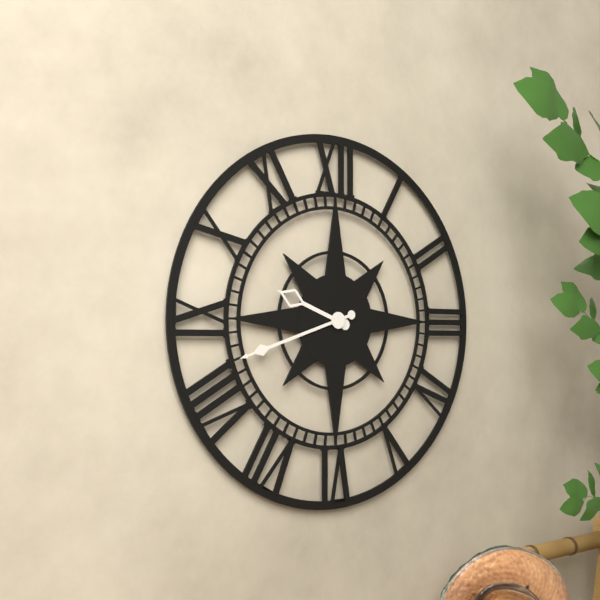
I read 9.42
